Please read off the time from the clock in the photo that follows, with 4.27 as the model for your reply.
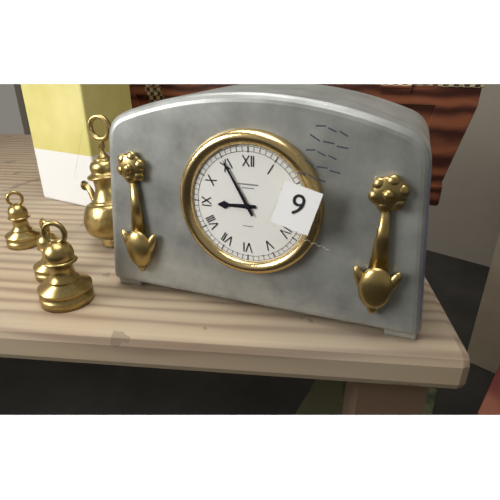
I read 8.55
